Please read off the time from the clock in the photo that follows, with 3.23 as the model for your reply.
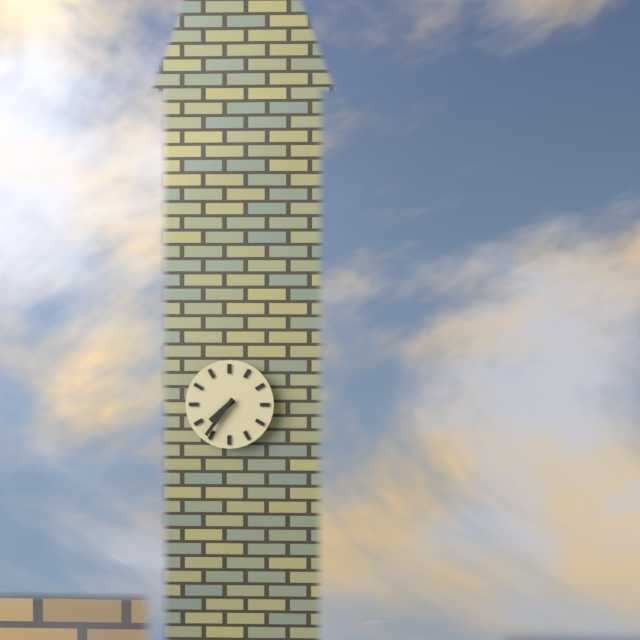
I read 7.36
